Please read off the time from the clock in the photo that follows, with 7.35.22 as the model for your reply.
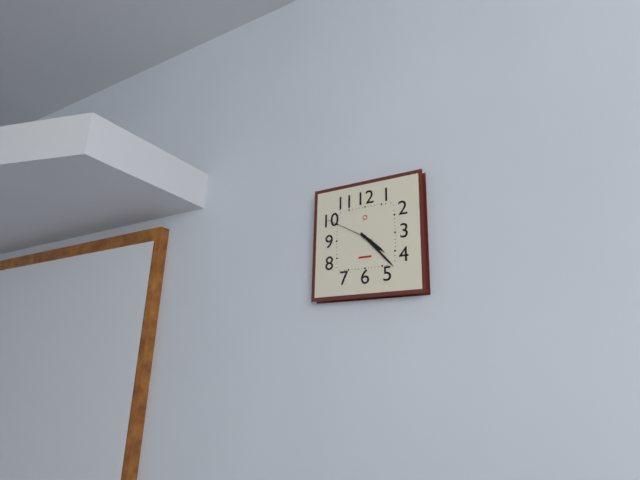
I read 4.23.50
